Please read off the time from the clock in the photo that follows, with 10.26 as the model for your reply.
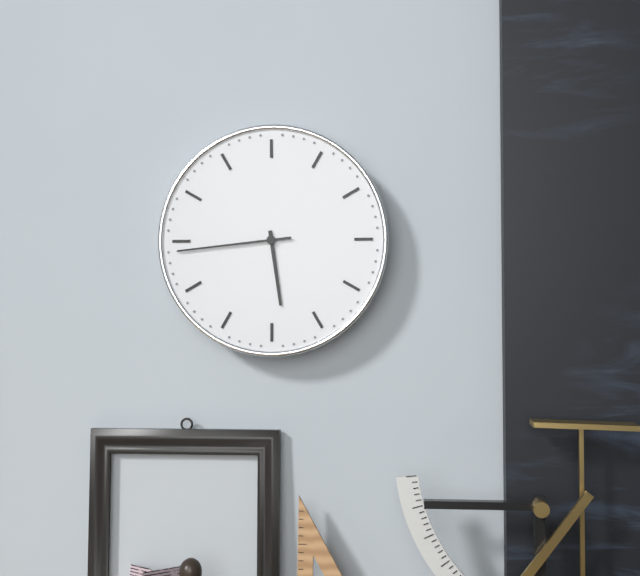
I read 5.44
